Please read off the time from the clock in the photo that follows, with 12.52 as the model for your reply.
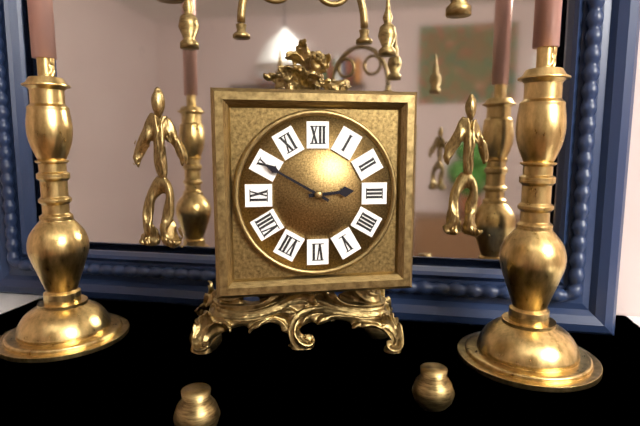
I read 2.50
